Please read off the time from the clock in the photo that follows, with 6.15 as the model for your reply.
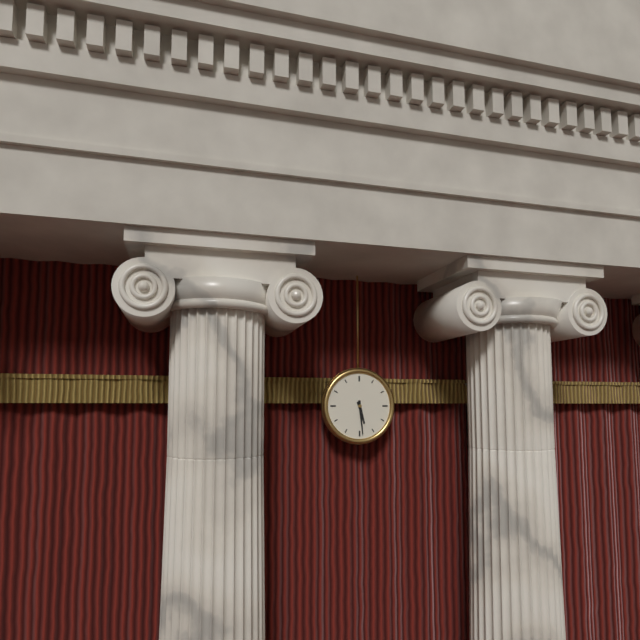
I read 5.29
